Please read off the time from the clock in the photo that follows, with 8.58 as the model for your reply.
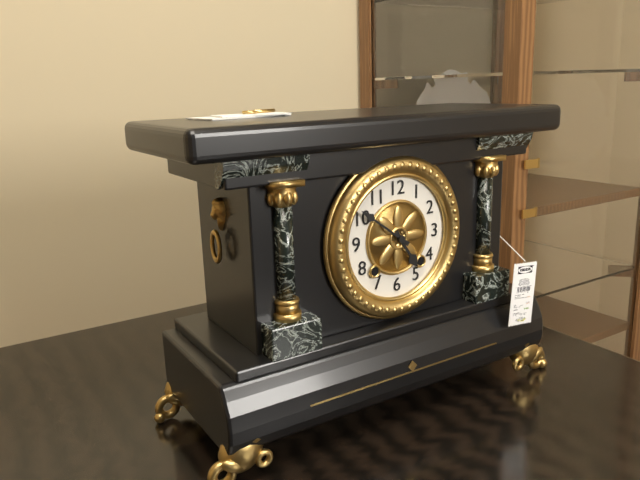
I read 4.51
